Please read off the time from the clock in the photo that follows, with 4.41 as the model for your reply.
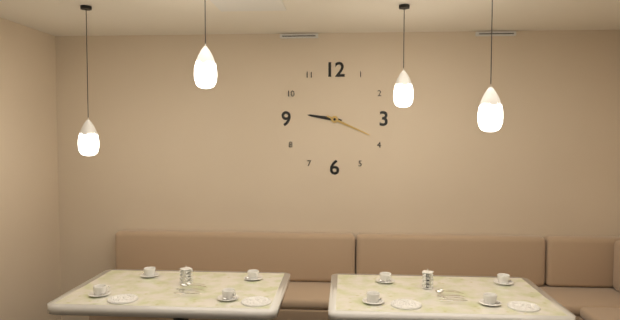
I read 9.19
